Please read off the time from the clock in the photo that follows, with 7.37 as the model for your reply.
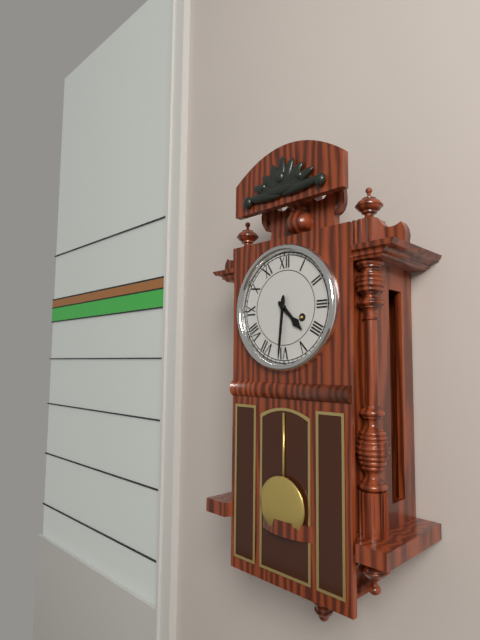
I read 4.31
